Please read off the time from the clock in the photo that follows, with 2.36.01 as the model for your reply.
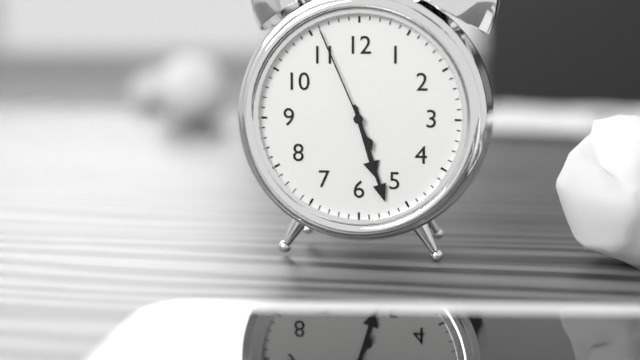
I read 5.27.56
